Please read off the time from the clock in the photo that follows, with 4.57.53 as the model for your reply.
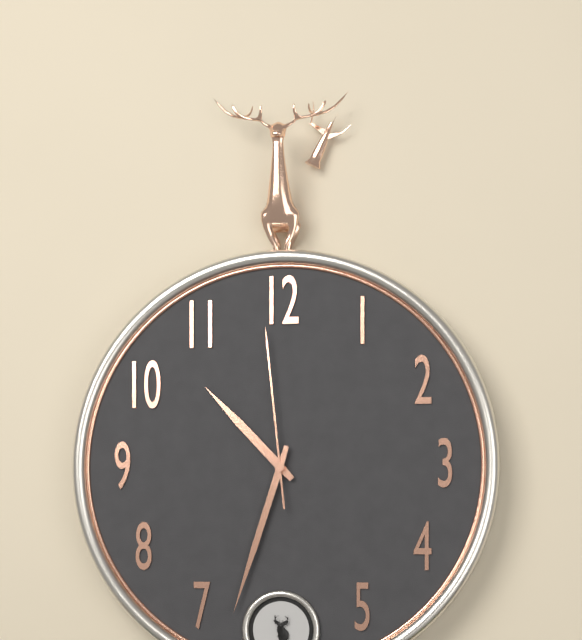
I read 10.33.59
